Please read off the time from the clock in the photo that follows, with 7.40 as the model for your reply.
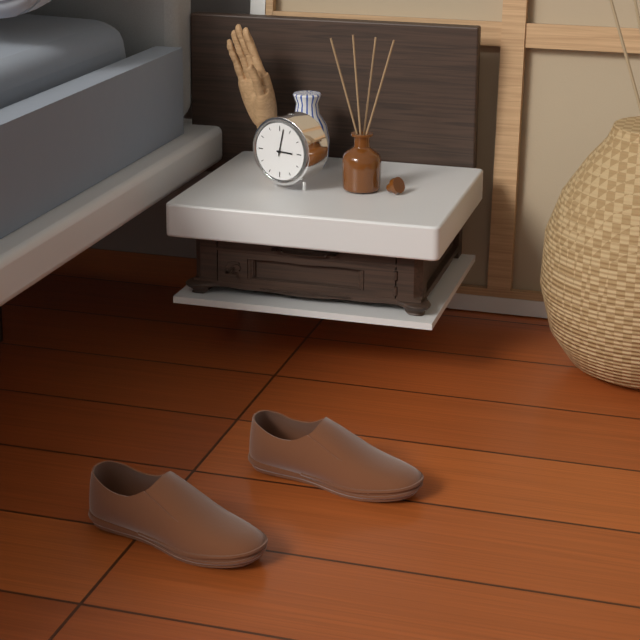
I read 3.02
